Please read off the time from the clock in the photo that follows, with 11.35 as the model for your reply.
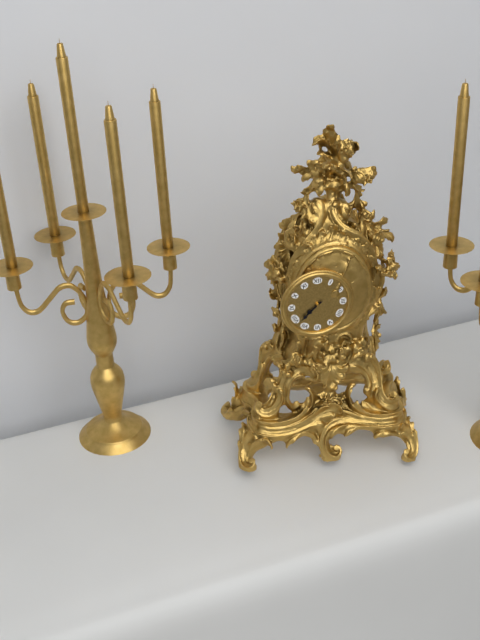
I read 7.38
